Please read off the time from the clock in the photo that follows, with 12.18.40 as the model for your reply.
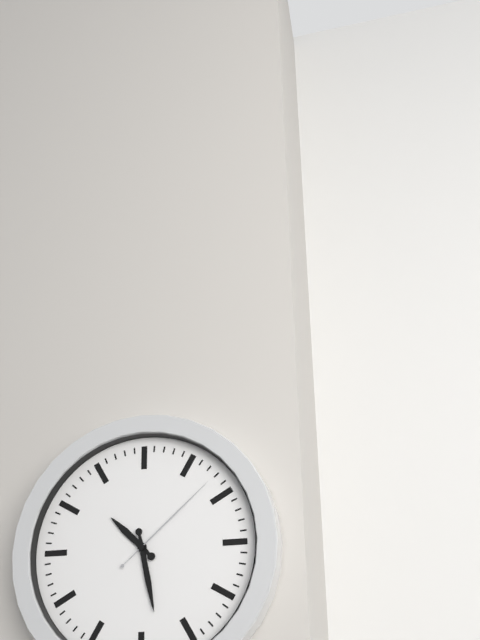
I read 10.28.08
